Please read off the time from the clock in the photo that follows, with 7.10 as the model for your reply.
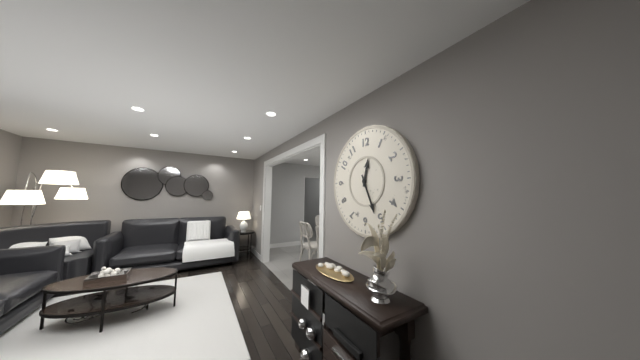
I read 12.26
